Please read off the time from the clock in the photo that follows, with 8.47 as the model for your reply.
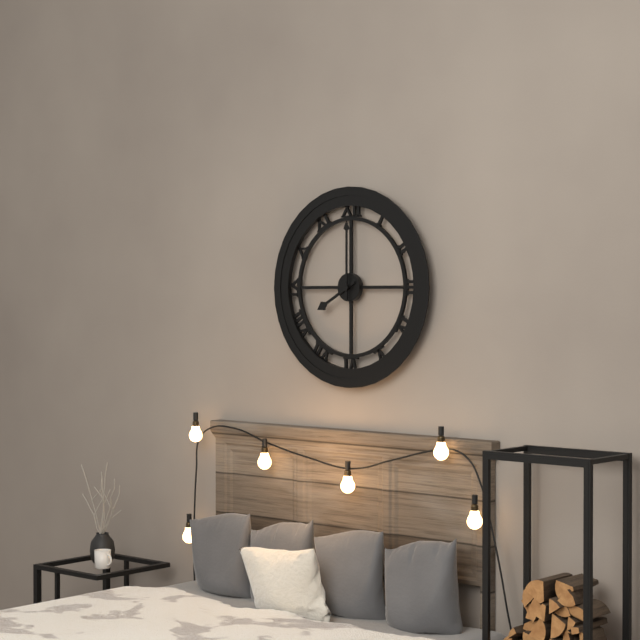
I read 8.00
